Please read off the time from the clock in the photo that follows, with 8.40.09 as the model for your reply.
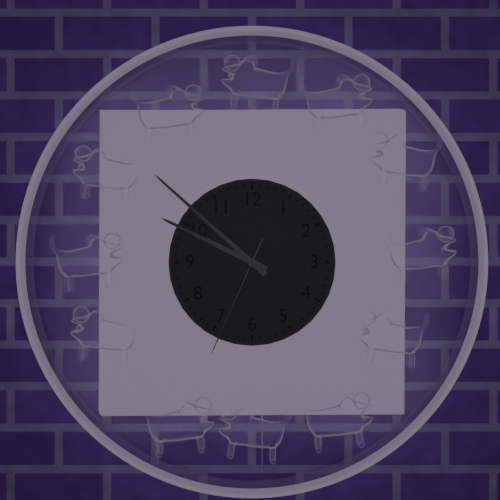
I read 9.52.34
